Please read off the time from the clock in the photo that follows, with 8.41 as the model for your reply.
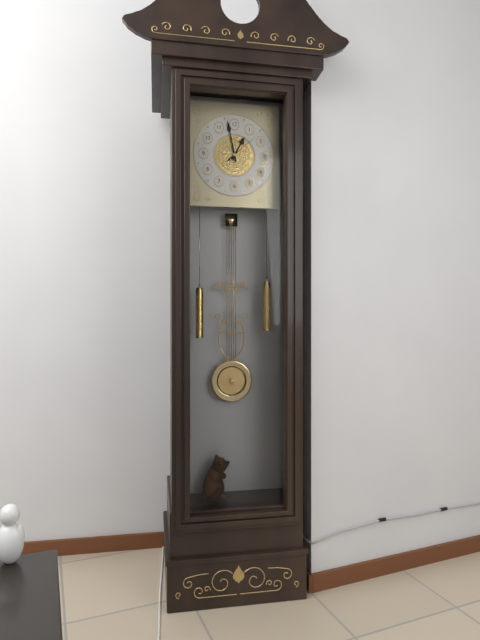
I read 12.58
